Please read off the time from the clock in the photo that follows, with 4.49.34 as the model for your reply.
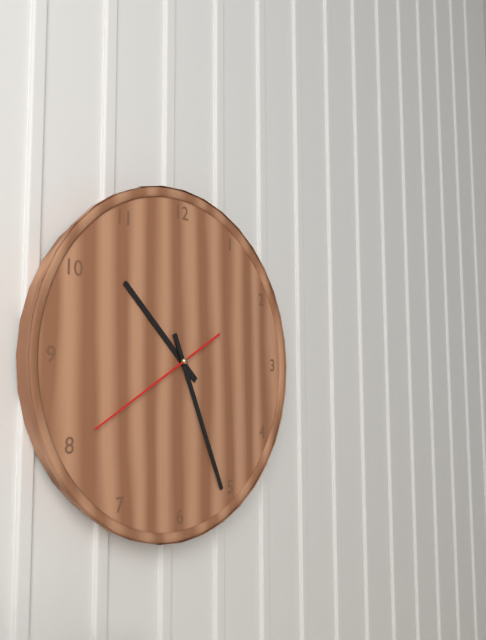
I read 10.26.40
